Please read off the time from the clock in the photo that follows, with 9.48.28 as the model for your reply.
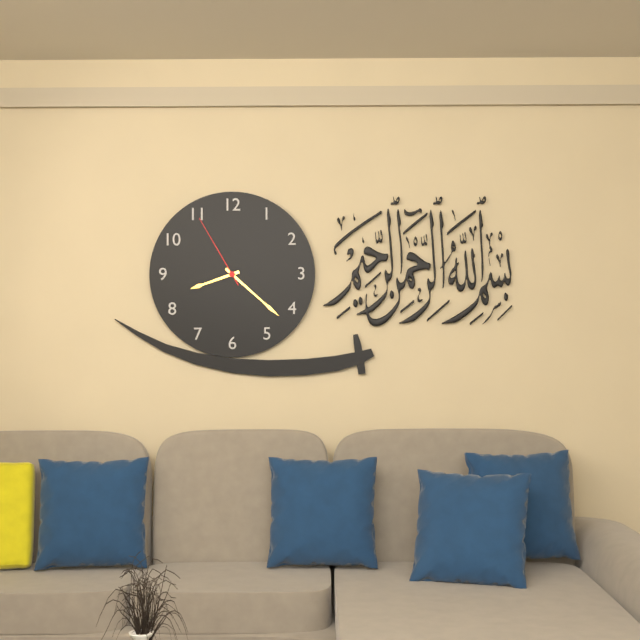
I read 8.22.55
